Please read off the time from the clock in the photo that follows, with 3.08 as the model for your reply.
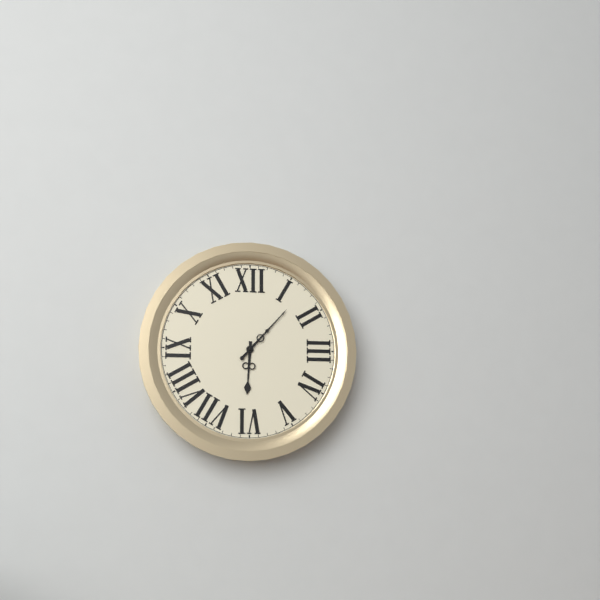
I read 6.07
